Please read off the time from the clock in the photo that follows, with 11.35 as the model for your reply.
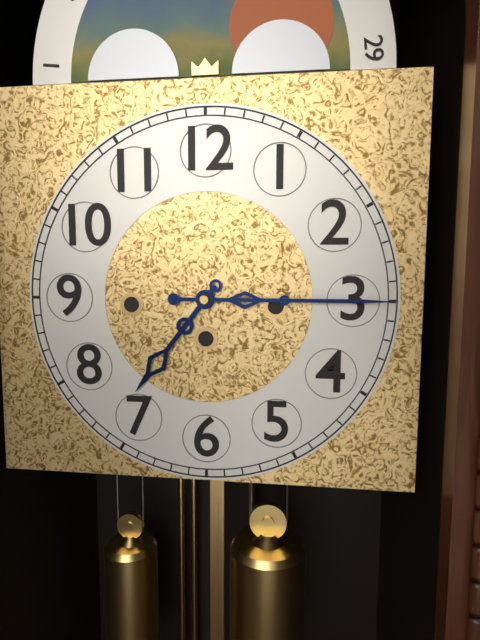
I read 7.15
